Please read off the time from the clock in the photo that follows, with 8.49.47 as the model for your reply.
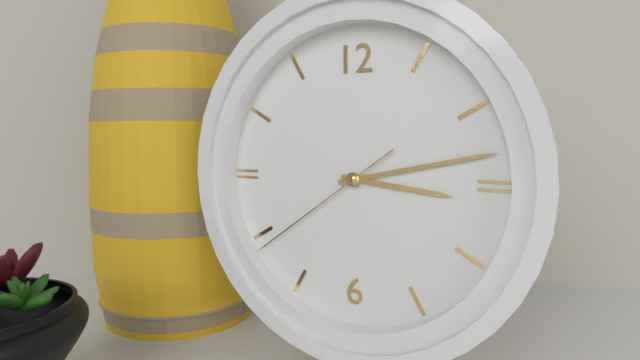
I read 3.13.39
